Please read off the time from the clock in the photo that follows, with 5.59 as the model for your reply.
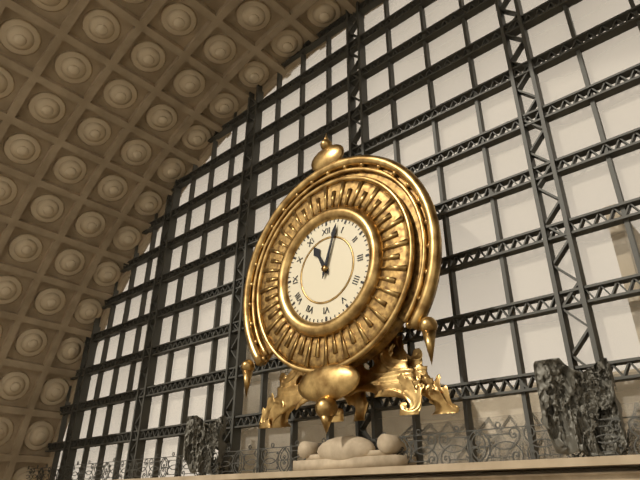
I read 11.03
